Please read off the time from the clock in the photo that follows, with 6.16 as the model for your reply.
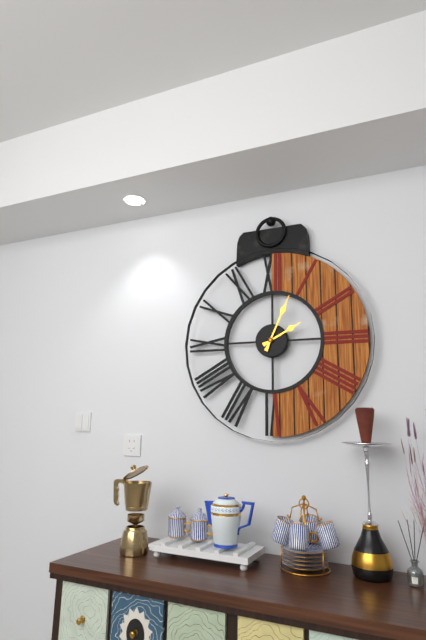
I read 2.04
